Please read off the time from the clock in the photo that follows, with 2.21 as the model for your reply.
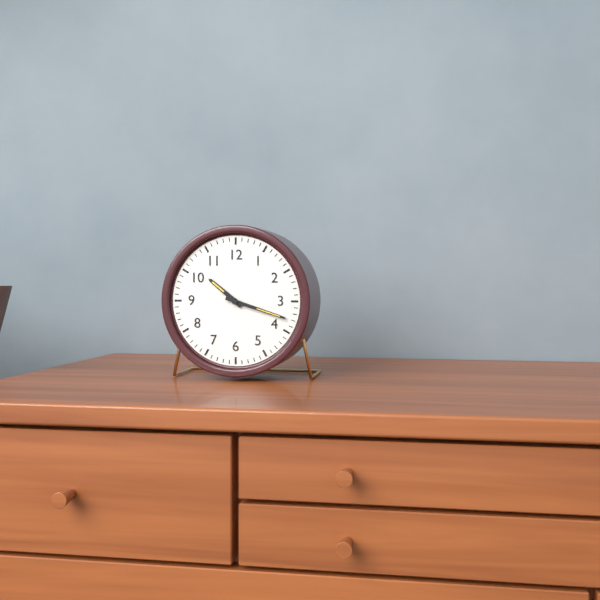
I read 10.18
